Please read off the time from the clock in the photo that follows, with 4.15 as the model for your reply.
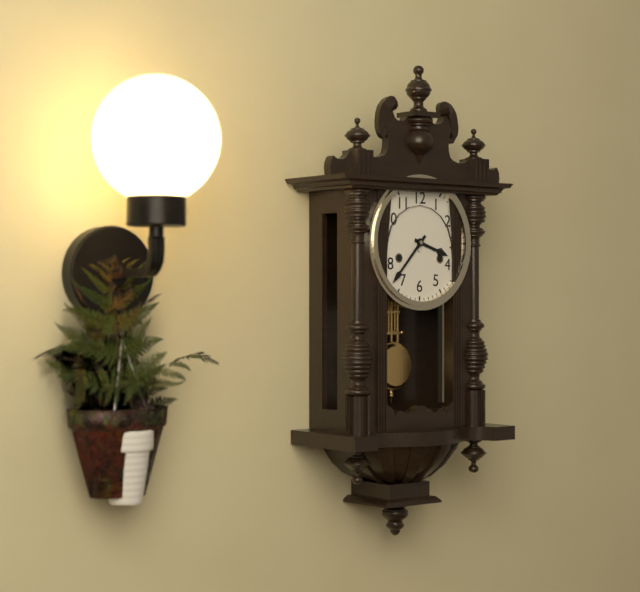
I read 3.37
